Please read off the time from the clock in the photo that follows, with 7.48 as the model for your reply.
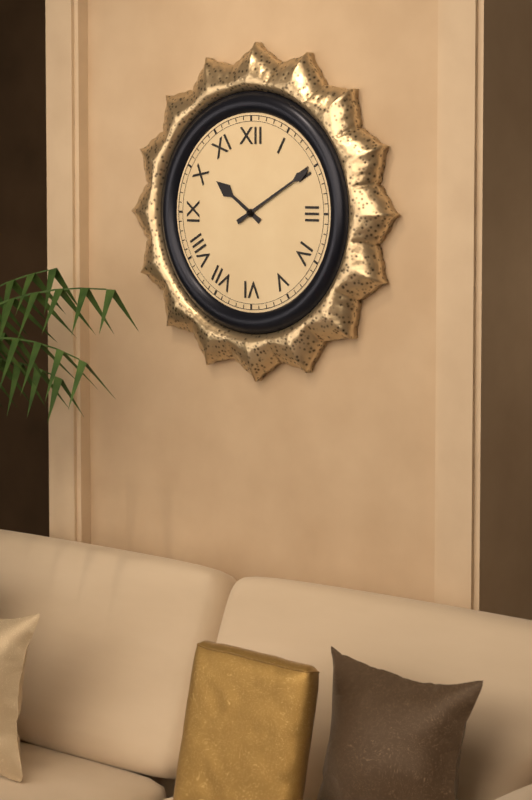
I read 10.10
